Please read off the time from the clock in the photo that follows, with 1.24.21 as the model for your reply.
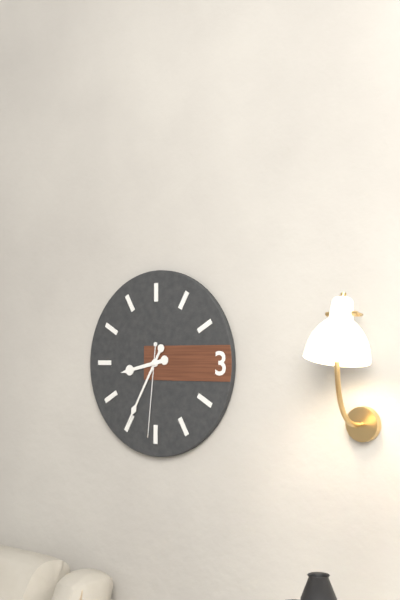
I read 8.35.31
